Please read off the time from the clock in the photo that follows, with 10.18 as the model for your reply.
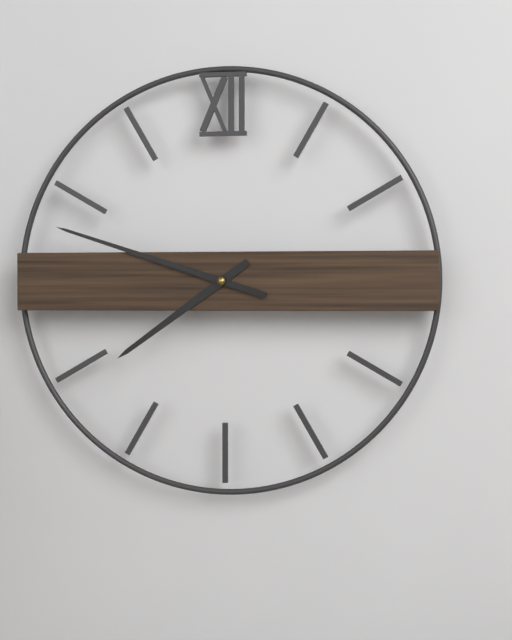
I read 7.48
